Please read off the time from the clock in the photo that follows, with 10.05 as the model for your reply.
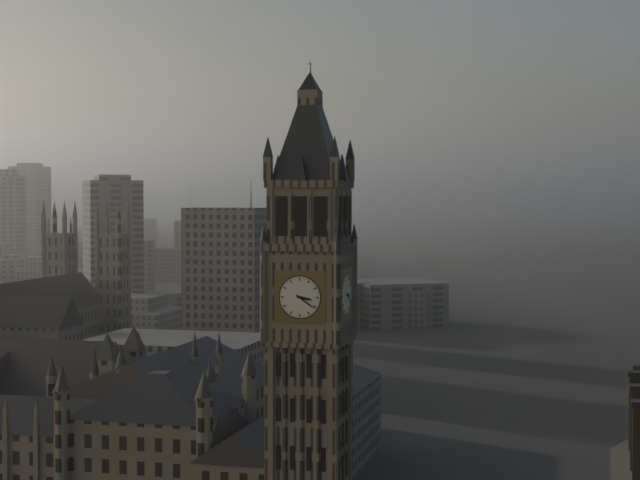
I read 3.21
